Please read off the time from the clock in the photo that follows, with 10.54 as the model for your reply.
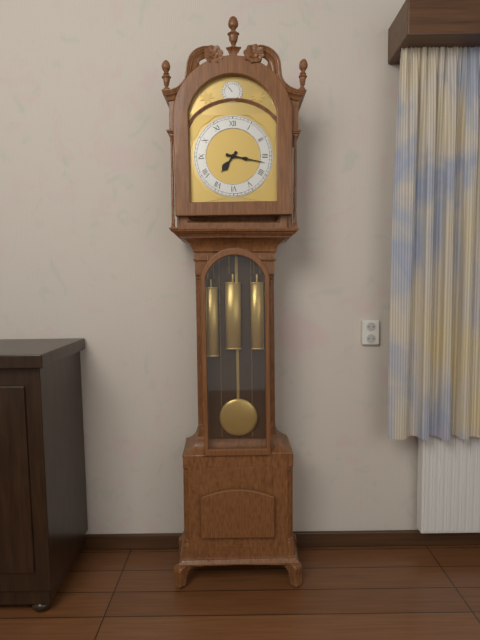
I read 7.17
